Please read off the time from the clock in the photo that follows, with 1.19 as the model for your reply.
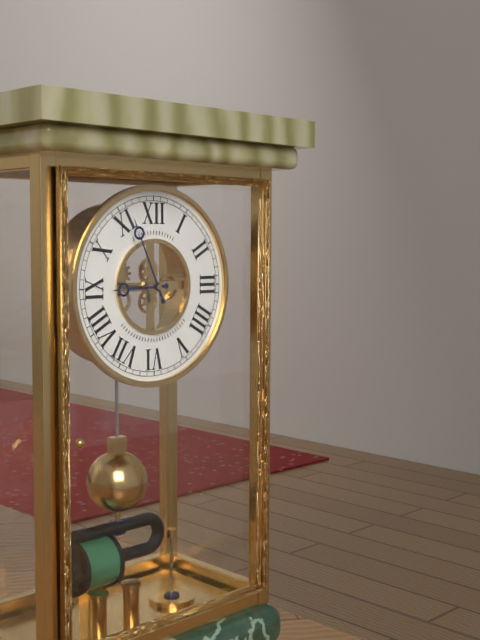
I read 8.56
